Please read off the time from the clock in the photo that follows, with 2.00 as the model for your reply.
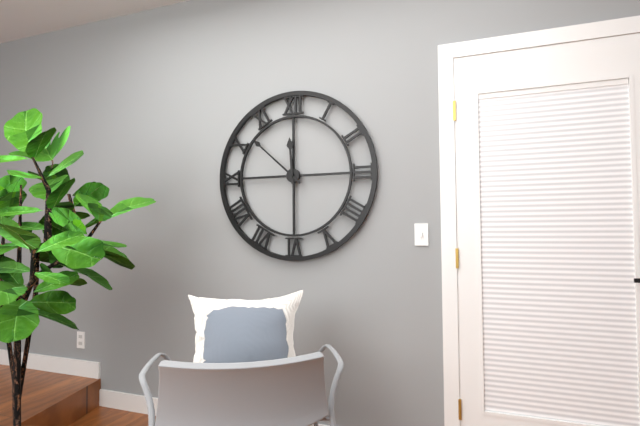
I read 11.52
